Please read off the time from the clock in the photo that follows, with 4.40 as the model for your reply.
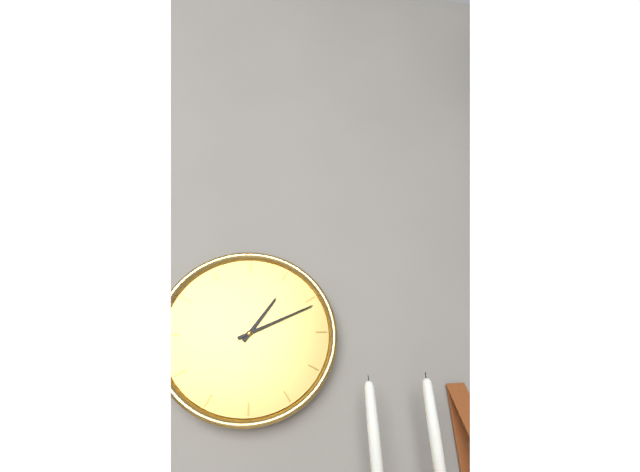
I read 1.11
